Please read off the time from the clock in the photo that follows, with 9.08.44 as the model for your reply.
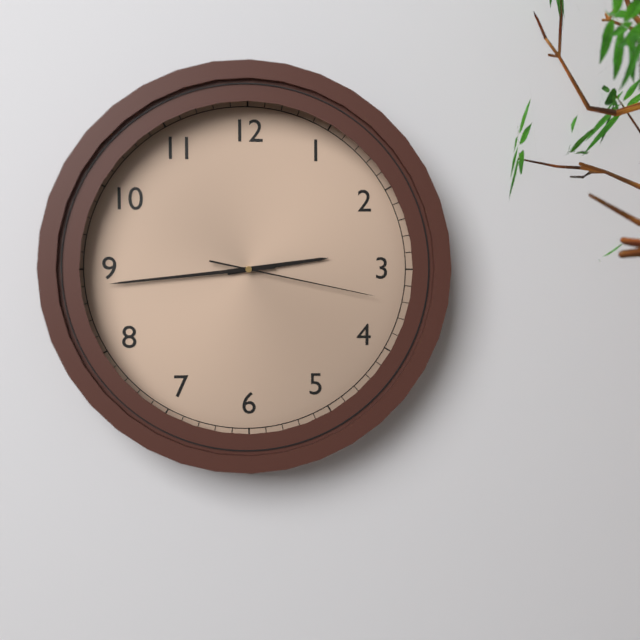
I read 2.44.17
